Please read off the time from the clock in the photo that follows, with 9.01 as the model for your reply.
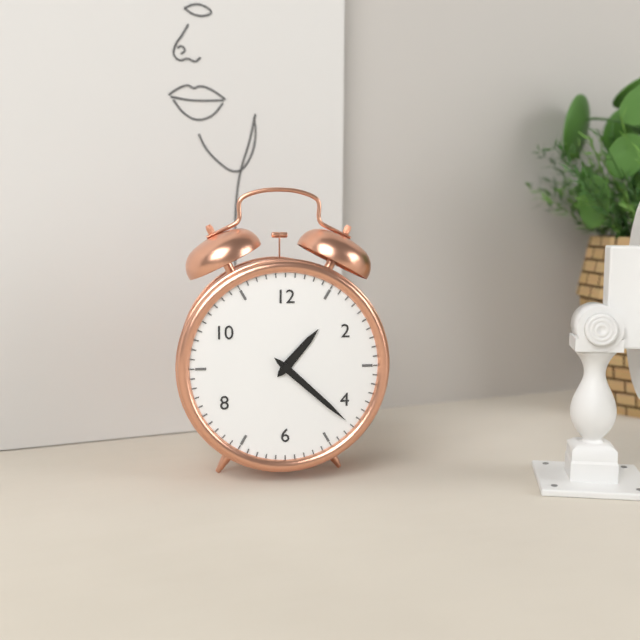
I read 1.22
